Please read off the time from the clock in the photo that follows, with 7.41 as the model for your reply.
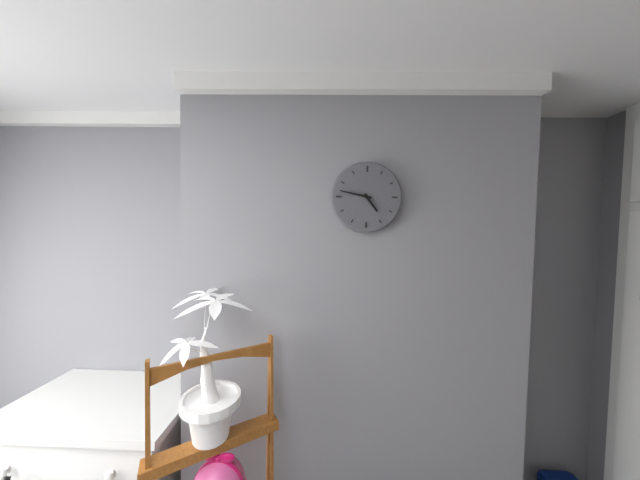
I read 4.47
